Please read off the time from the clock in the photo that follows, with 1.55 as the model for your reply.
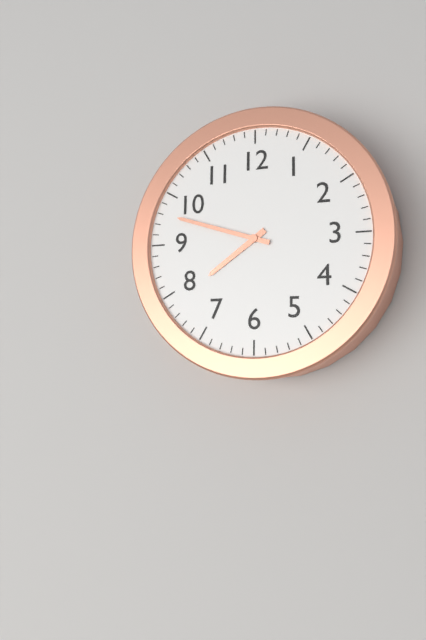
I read 7.48
